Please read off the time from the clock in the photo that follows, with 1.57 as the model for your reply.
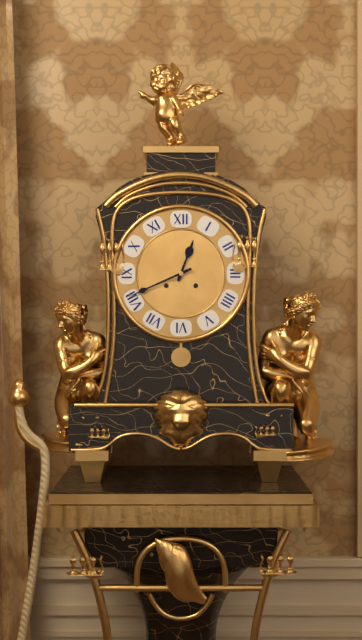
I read 12.41
